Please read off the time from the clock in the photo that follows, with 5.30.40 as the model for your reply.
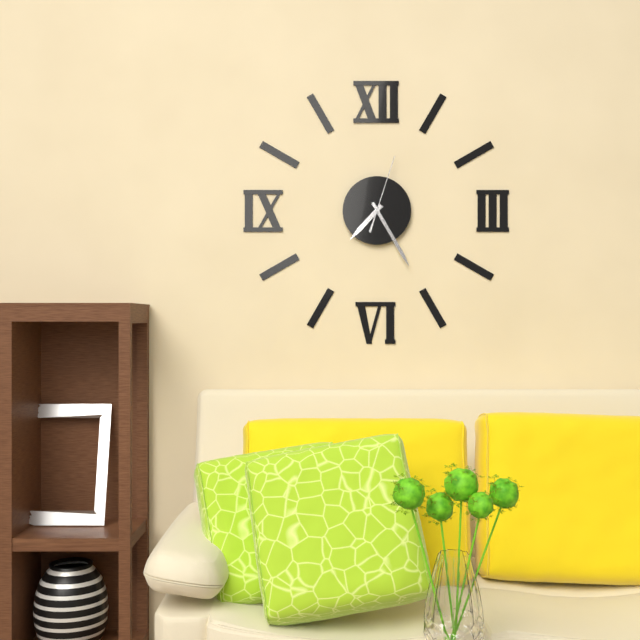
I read 7.25.03
